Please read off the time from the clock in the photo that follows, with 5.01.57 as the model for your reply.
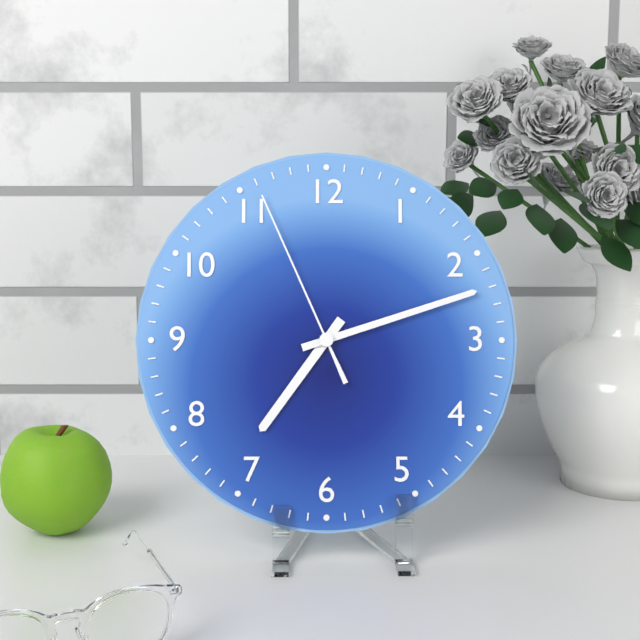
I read 7.12.56
